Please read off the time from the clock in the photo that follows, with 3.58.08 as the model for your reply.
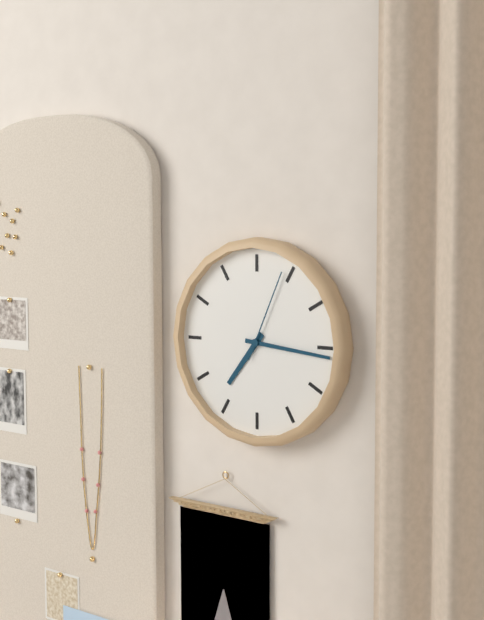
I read 7.16.04
